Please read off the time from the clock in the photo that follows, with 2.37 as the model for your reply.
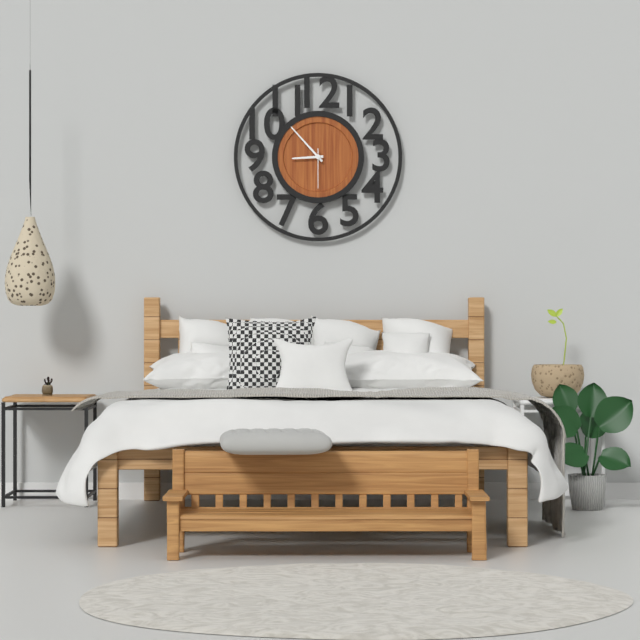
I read 8.53
